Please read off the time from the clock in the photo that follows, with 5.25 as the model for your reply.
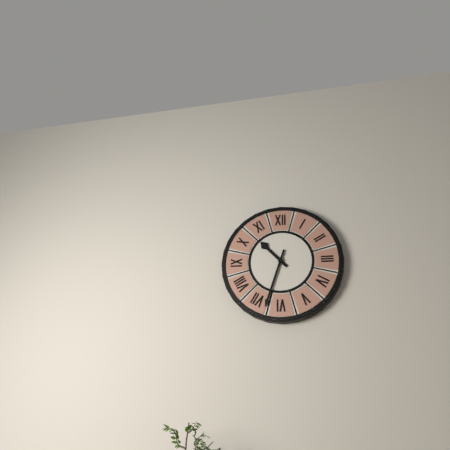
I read 10.33
